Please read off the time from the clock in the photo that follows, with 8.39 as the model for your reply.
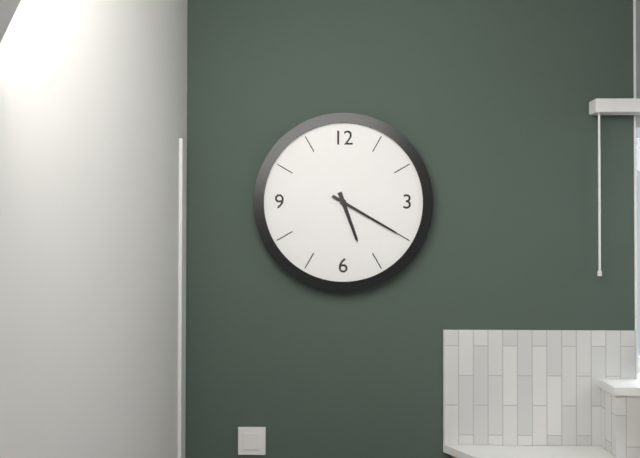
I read 5.20
